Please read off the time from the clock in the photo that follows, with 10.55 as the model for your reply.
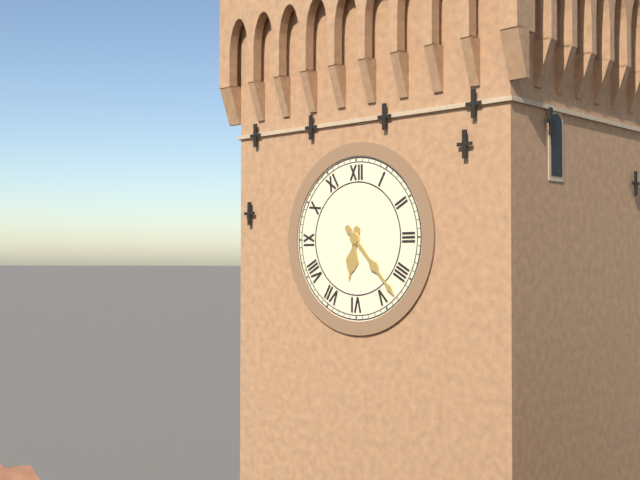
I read 6.23
